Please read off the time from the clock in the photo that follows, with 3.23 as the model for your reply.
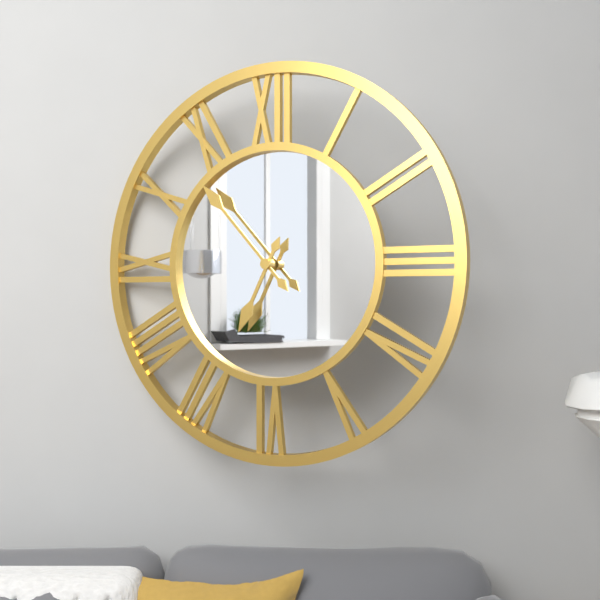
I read 6.53
